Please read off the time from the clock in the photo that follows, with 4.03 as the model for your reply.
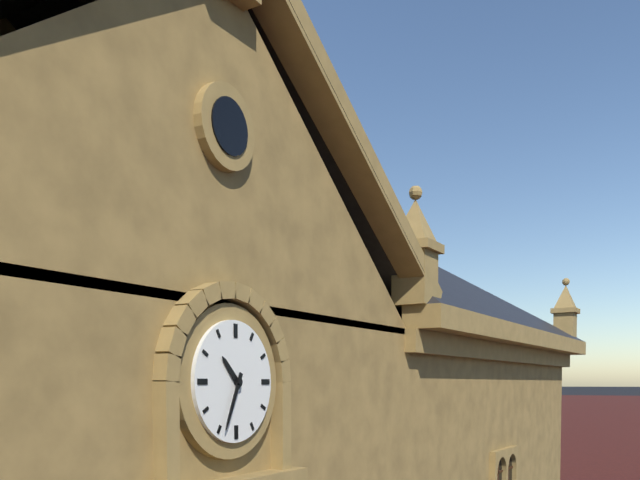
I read 10.34
